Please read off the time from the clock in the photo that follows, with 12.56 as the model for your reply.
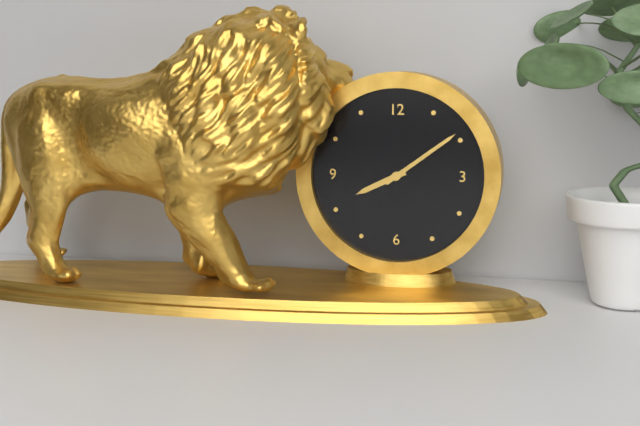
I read 8.09
